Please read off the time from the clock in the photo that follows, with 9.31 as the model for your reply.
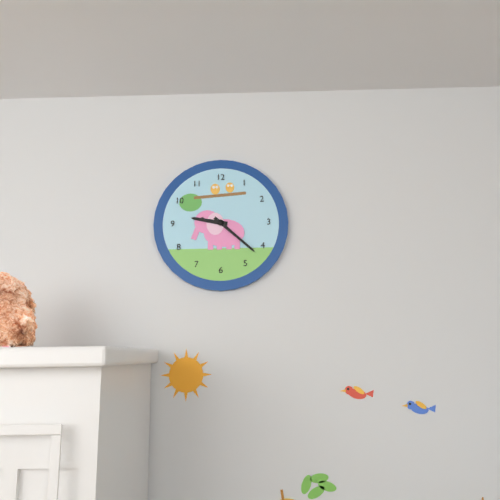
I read 9.22
